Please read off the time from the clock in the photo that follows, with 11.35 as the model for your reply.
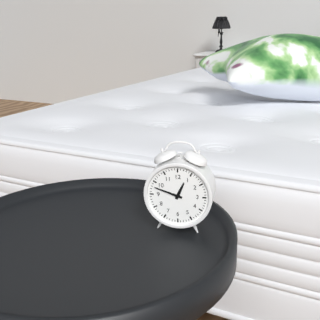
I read 12.48
